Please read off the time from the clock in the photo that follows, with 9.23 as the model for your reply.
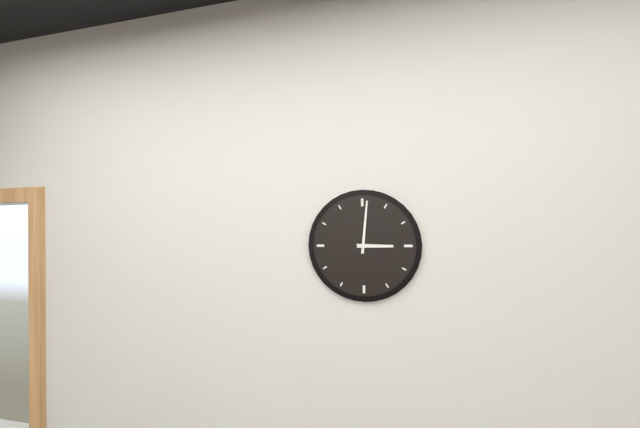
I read 3.01
